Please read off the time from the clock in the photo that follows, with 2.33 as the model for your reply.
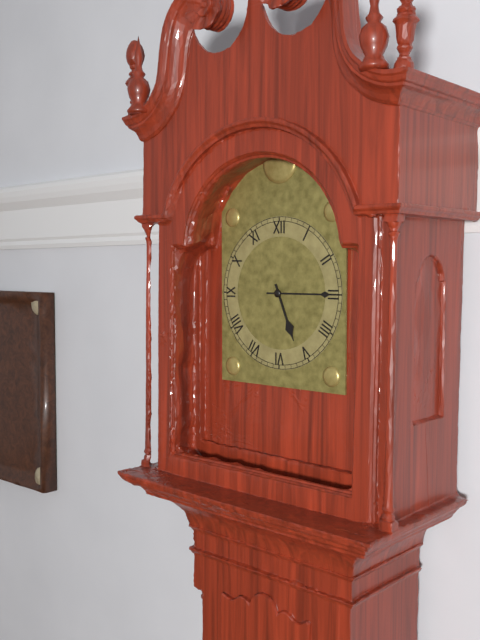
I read 5.15
